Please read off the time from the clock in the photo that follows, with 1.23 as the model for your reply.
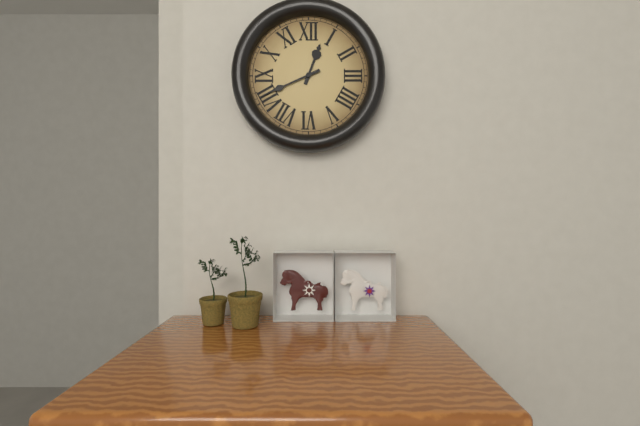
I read 12.41
